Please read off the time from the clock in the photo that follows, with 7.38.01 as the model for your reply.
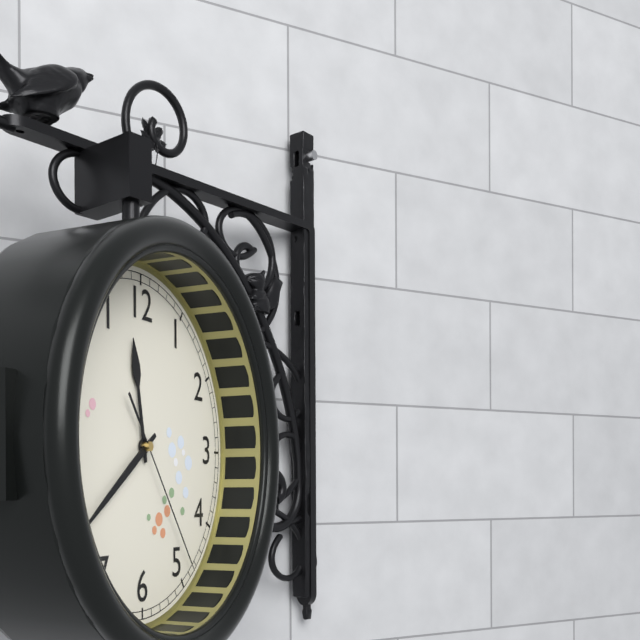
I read 11.39.24
